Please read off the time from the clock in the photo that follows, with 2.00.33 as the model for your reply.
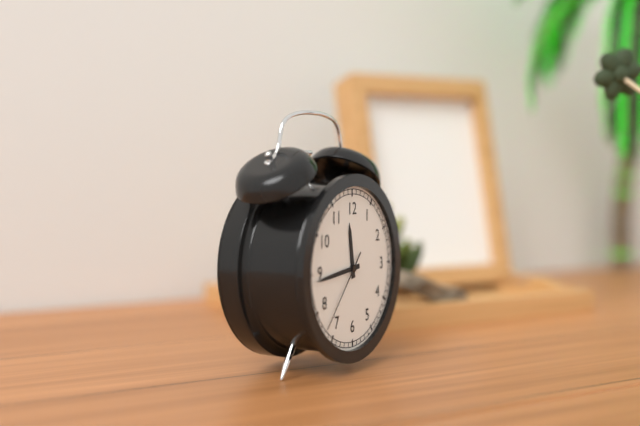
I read 11.44.37
